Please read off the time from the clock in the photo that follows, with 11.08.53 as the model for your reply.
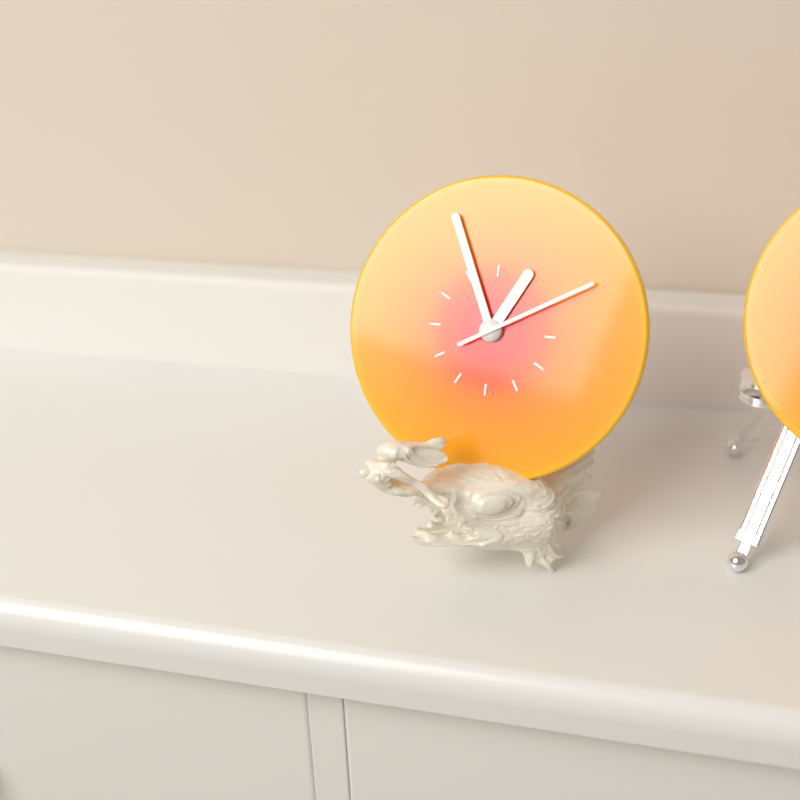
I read 12.56.10
